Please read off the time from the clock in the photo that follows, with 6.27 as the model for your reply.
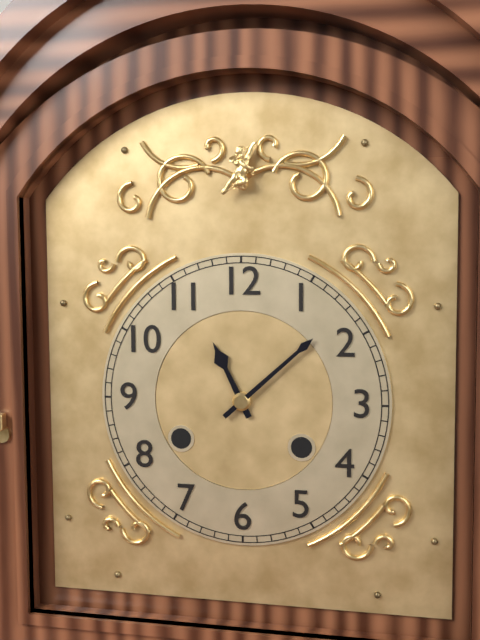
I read 11.08
